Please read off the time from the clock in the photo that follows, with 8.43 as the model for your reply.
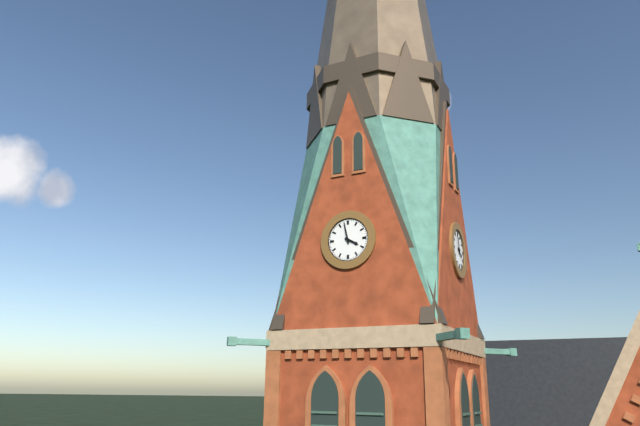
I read 3.58
